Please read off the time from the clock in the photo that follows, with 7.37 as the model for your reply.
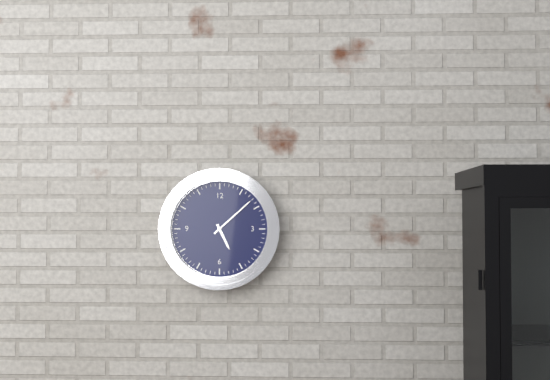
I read 5.08
